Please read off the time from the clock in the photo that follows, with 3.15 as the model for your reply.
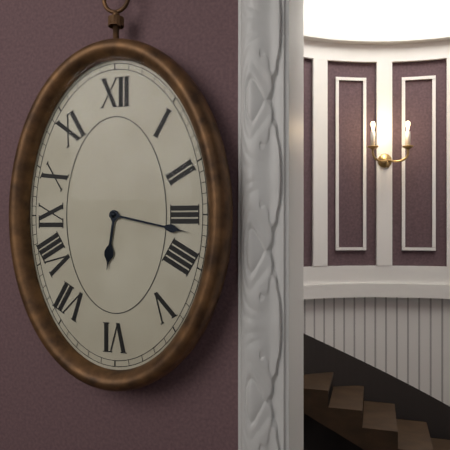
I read 6.17
